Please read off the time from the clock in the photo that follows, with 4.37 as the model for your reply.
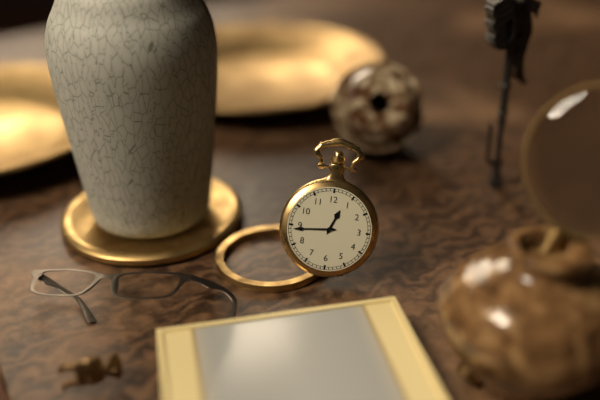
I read 12.44
